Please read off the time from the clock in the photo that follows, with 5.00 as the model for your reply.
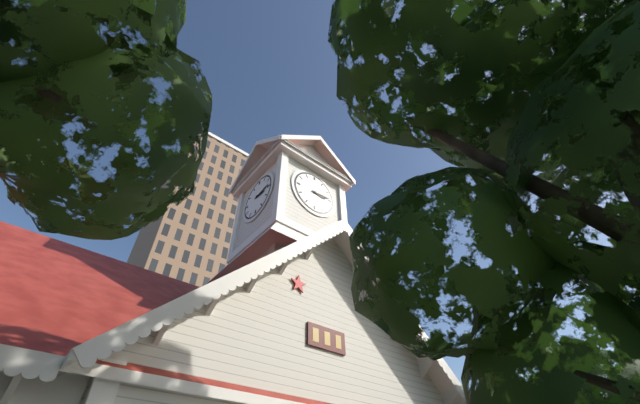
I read 3.14
